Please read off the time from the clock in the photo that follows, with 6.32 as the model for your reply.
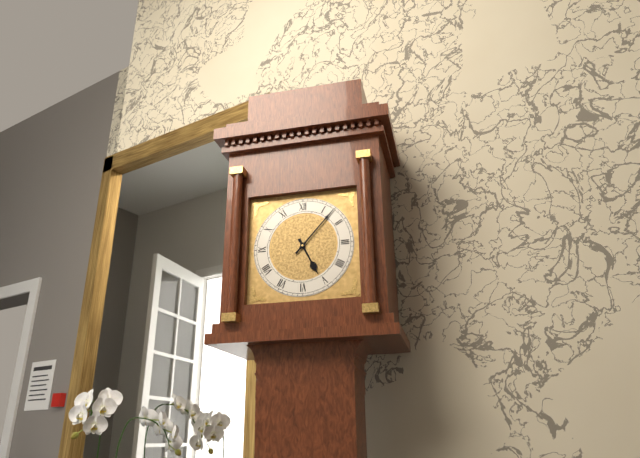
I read 5.07
